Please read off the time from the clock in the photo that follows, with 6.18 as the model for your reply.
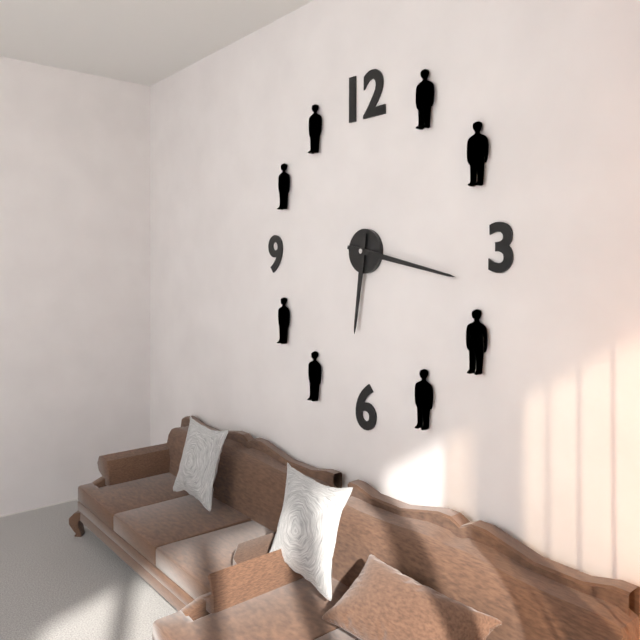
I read 6.17
